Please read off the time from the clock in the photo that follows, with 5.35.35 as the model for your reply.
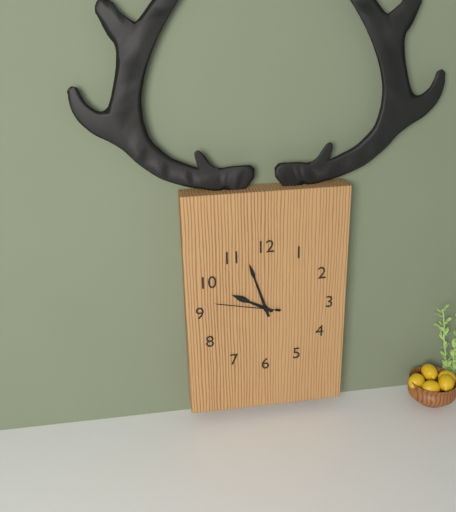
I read 9.57.47
